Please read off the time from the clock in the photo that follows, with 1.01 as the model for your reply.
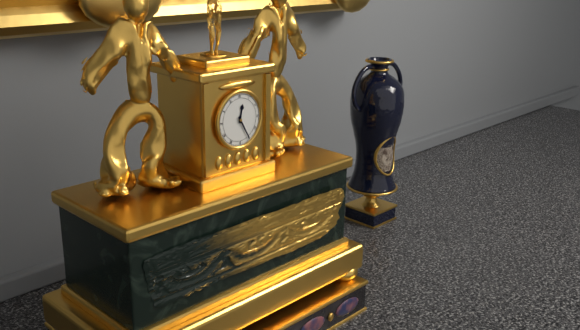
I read 12.25
